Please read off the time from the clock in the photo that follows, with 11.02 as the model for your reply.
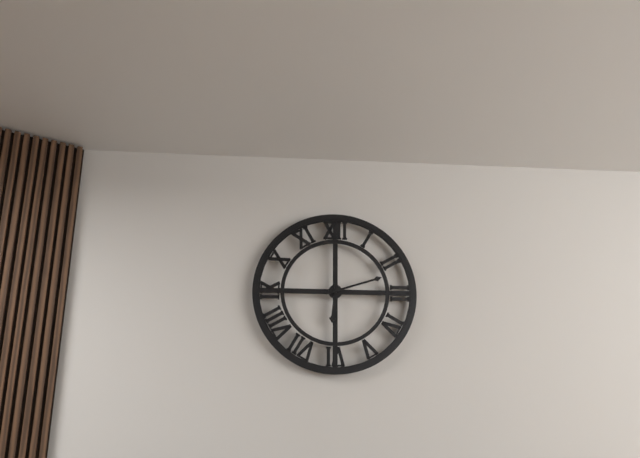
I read 6.12
